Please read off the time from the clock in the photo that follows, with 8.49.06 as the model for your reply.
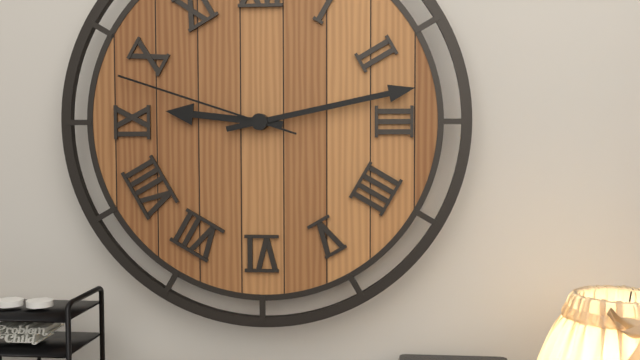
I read 9.13.48
